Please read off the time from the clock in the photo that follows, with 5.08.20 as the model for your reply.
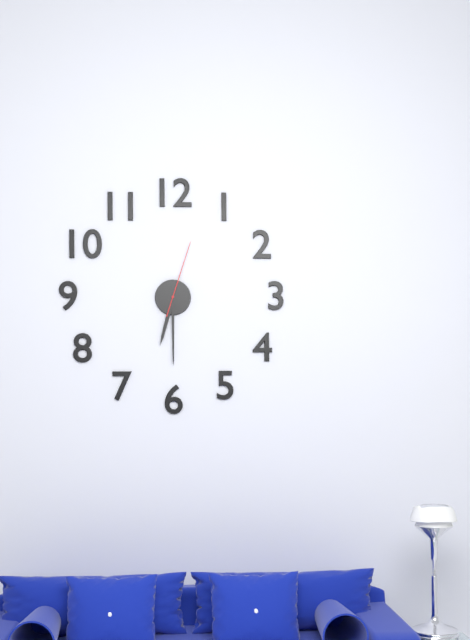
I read 6.30.03
